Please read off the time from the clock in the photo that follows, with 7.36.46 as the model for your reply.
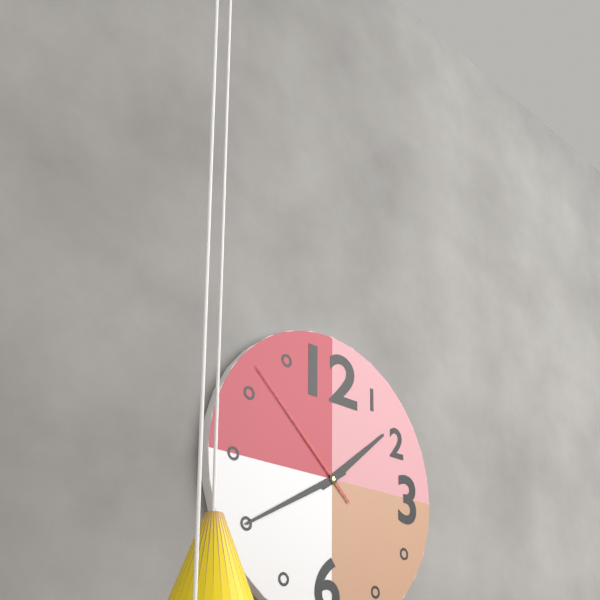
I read 1.40.52
